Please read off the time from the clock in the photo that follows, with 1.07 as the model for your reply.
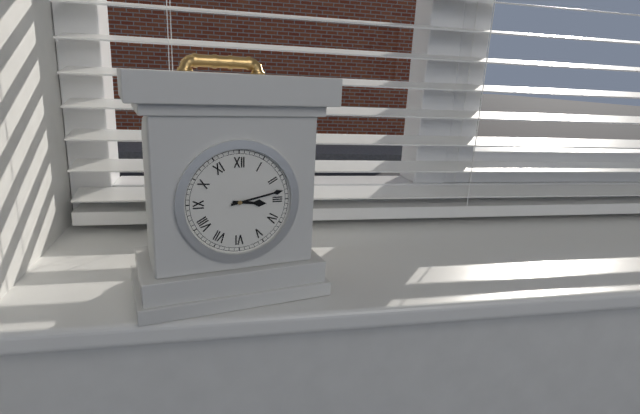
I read 3.13
